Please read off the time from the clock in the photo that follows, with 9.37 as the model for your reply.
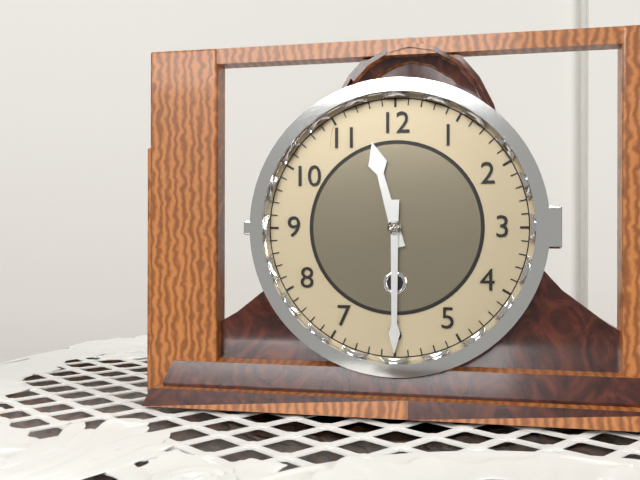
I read 11.30
